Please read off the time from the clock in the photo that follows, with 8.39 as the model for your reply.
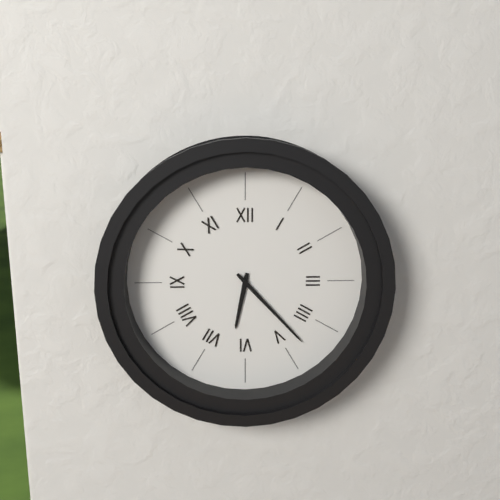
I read 6.23
